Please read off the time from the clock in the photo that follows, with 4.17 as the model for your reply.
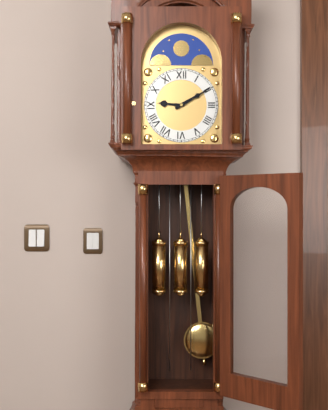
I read 9.10
